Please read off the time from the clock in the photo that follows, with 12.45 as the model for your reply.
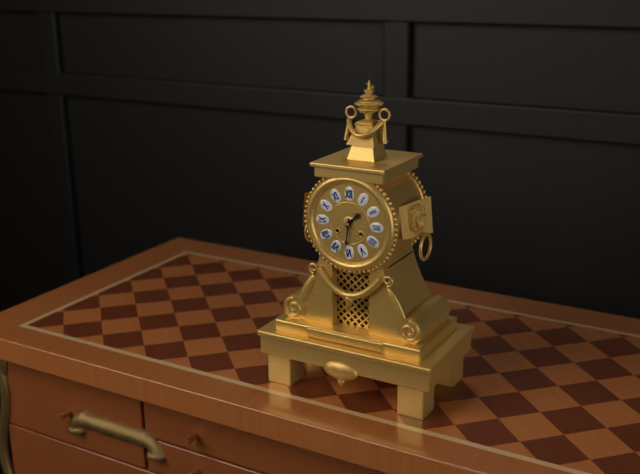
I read 1.31
